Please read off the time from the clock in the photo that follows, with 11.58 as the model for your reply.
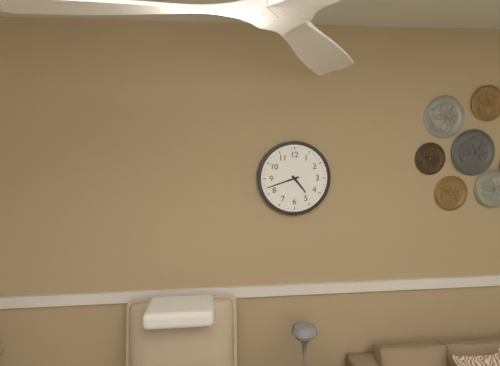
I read 4.42
